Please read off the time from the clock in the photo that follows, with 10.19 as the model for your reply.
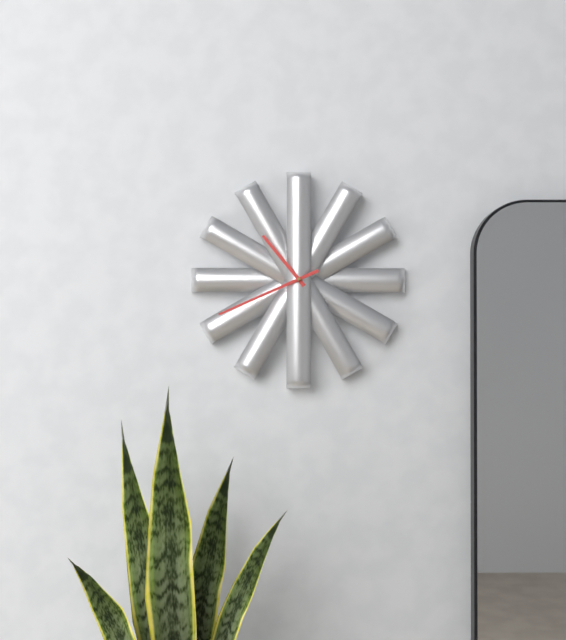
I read 10.41
